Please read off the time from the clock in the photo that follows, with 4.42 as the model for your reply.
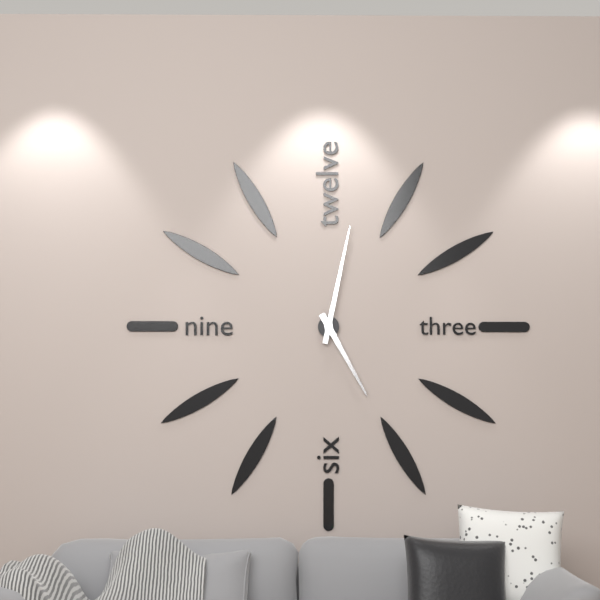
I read 5.02
